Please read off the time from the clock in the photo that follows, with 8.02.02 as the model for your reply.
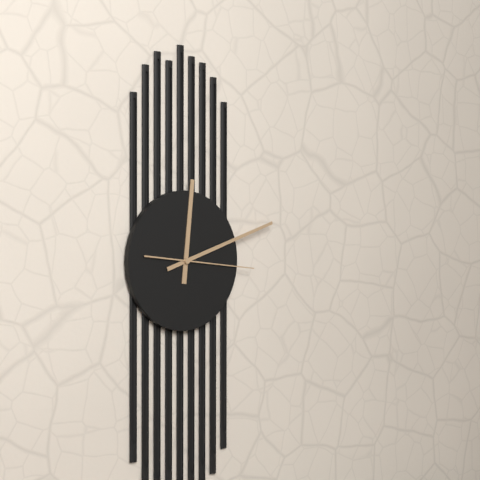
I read 12.12.16
